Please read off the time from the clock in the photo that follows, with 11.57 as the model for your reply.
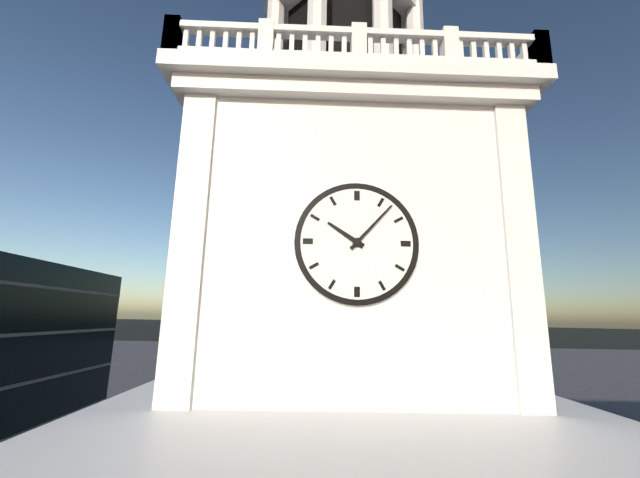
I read 10.07
